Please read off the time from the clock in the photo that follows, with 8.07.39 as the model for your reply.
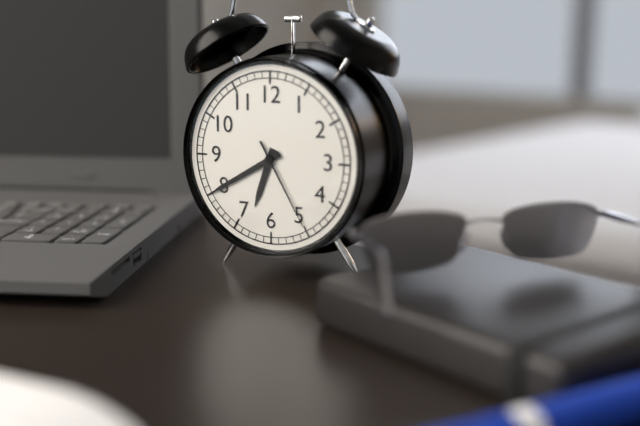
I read 6.40.25
